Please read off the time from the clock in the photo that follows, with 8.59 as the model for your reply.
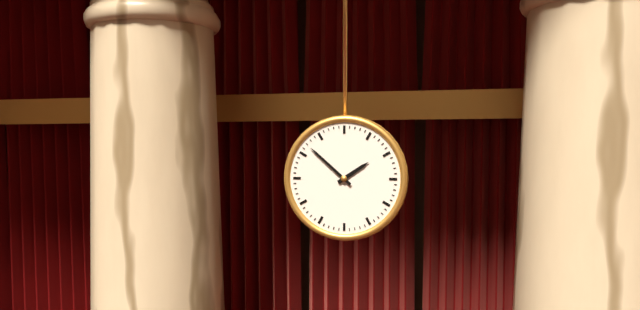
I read 1.52
